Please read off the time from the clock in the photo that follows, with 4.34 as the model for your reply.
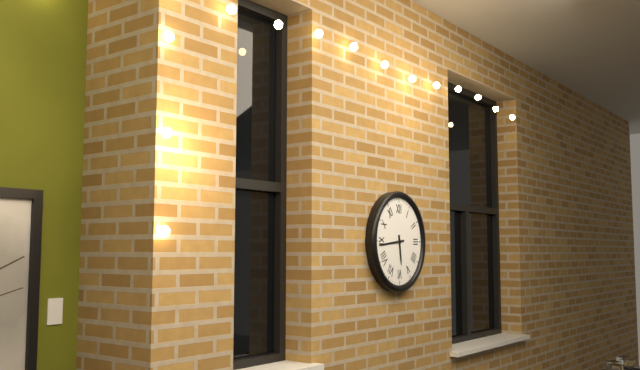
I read 5.44
